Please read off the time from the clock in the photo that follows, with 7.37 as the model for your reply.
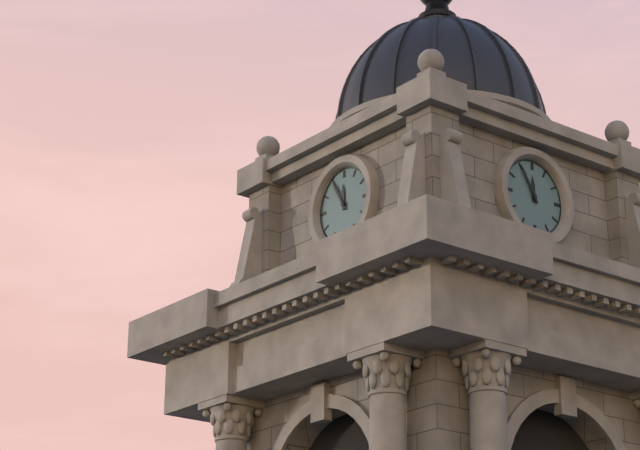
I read 11.55
